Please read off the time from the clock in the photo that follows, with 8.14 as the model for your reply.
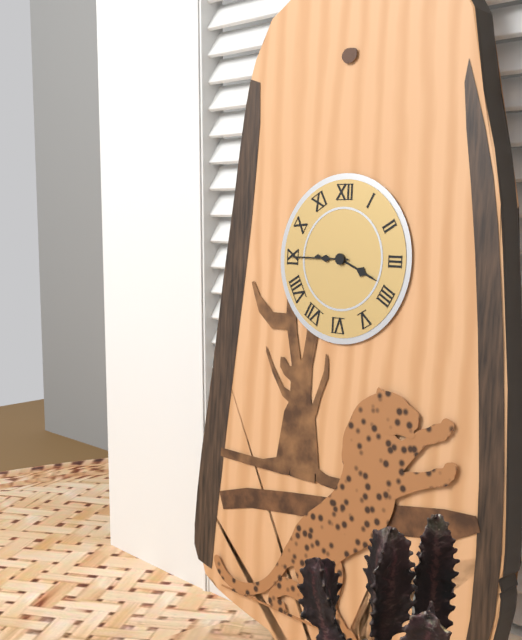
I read 3.45
